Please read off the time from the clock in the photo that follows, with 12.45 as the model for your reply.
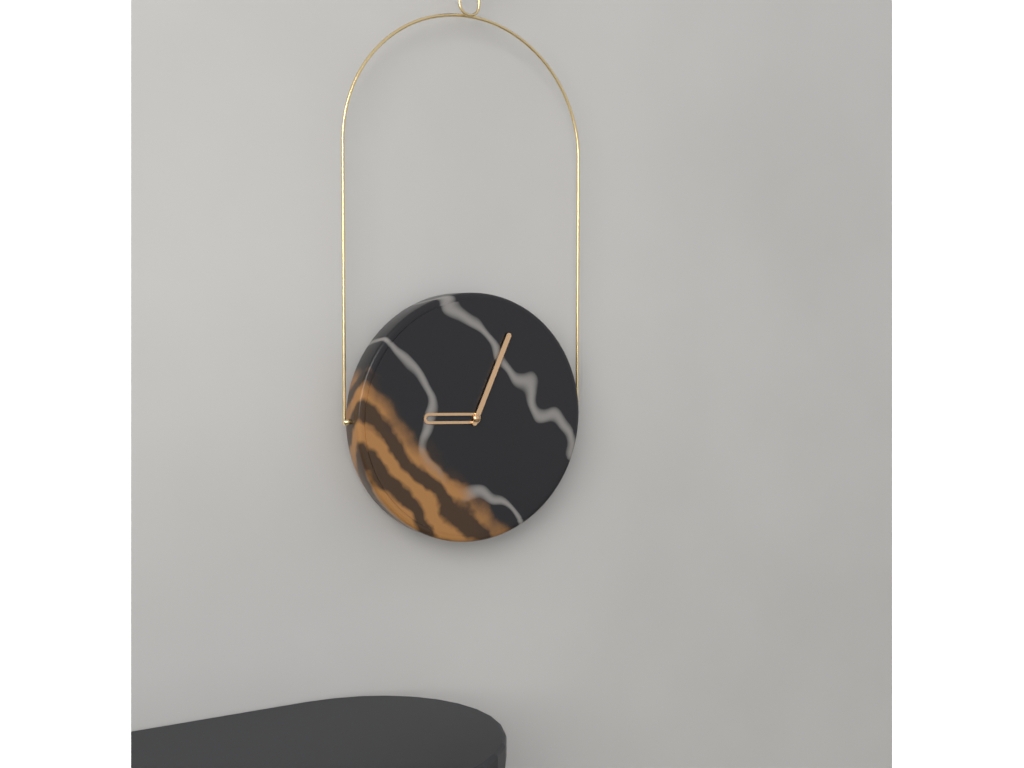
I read 9.04
